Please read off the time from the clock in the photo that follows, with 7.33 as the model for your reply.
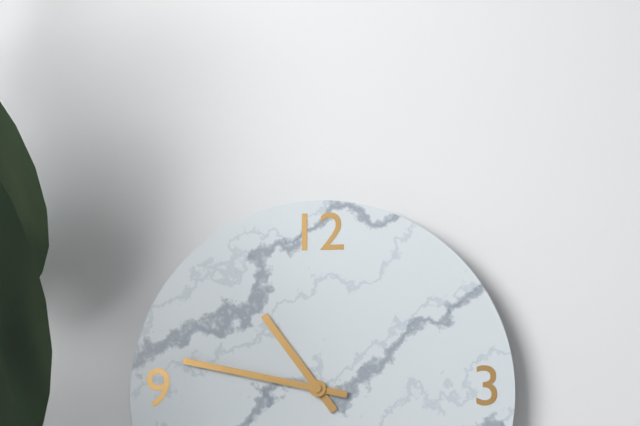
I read 10.47
